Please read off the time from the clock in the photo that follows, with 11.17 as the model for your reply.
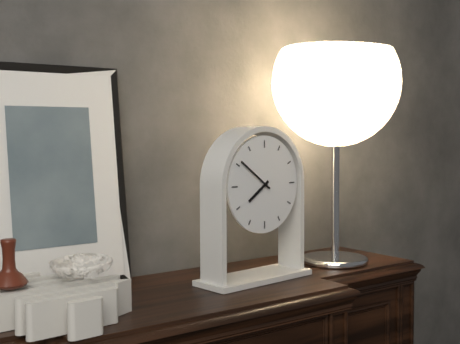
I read 7.51
